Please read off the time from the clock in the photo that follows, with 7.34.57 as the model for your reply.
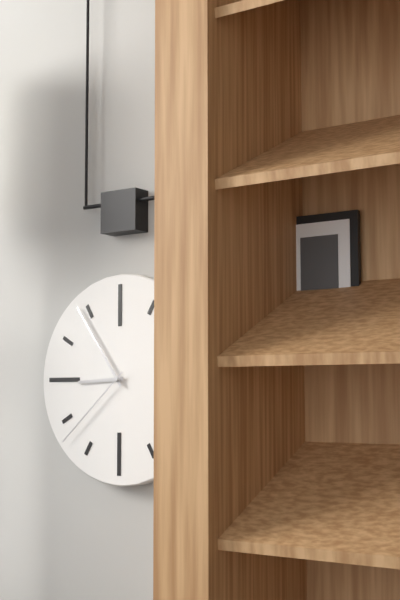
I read 8.54.38
